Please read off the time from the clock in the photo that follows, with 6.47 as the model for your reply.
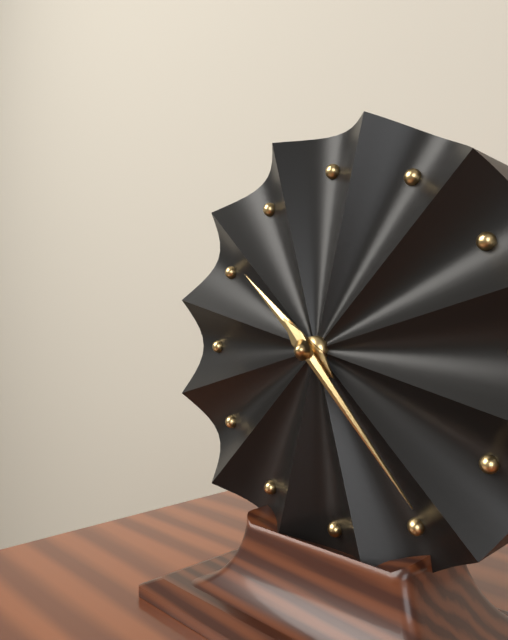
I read 10.23
